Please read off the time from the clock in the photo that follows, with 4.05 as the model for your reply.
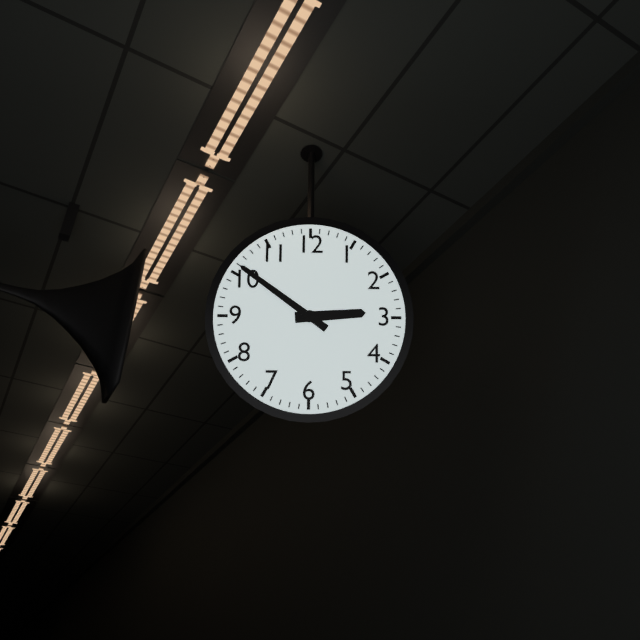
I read 2.51
